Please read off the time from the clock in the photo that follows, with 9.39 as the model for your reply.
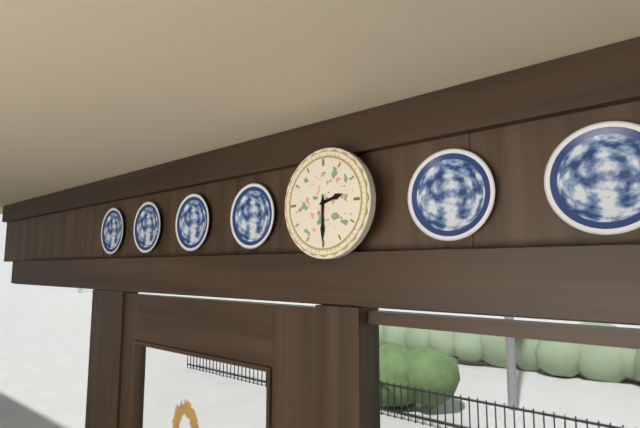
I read 2.30
